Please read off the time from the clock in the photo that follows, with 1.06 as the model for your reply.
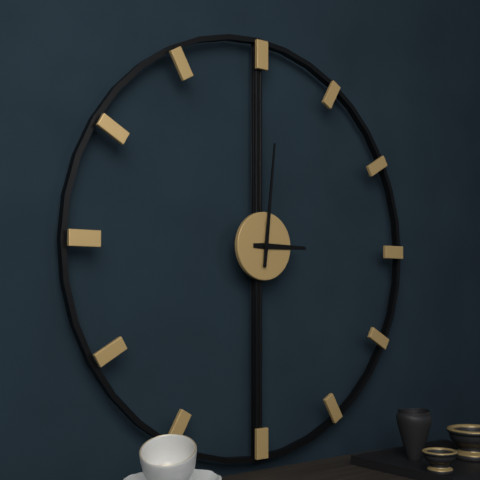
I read 3.01
